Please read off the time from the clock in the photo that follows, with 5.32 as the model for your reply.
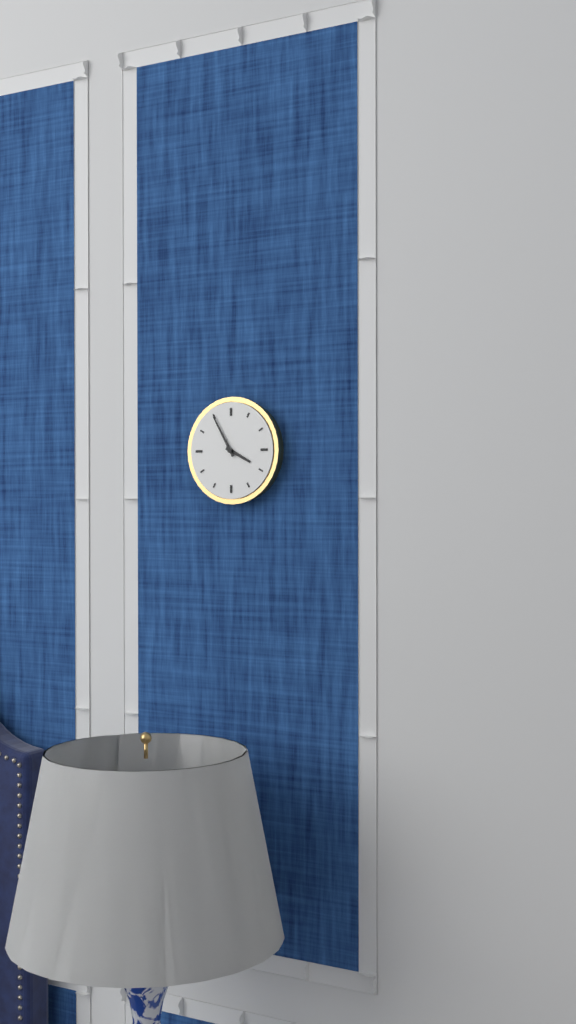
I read 3.55
